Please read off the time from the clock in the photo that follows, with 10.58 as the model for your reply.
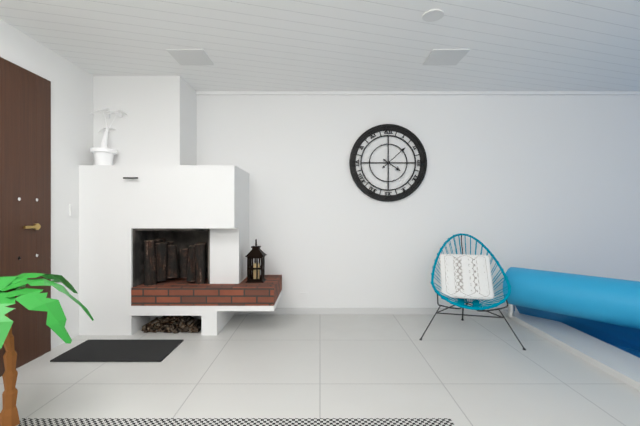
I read 4.08
